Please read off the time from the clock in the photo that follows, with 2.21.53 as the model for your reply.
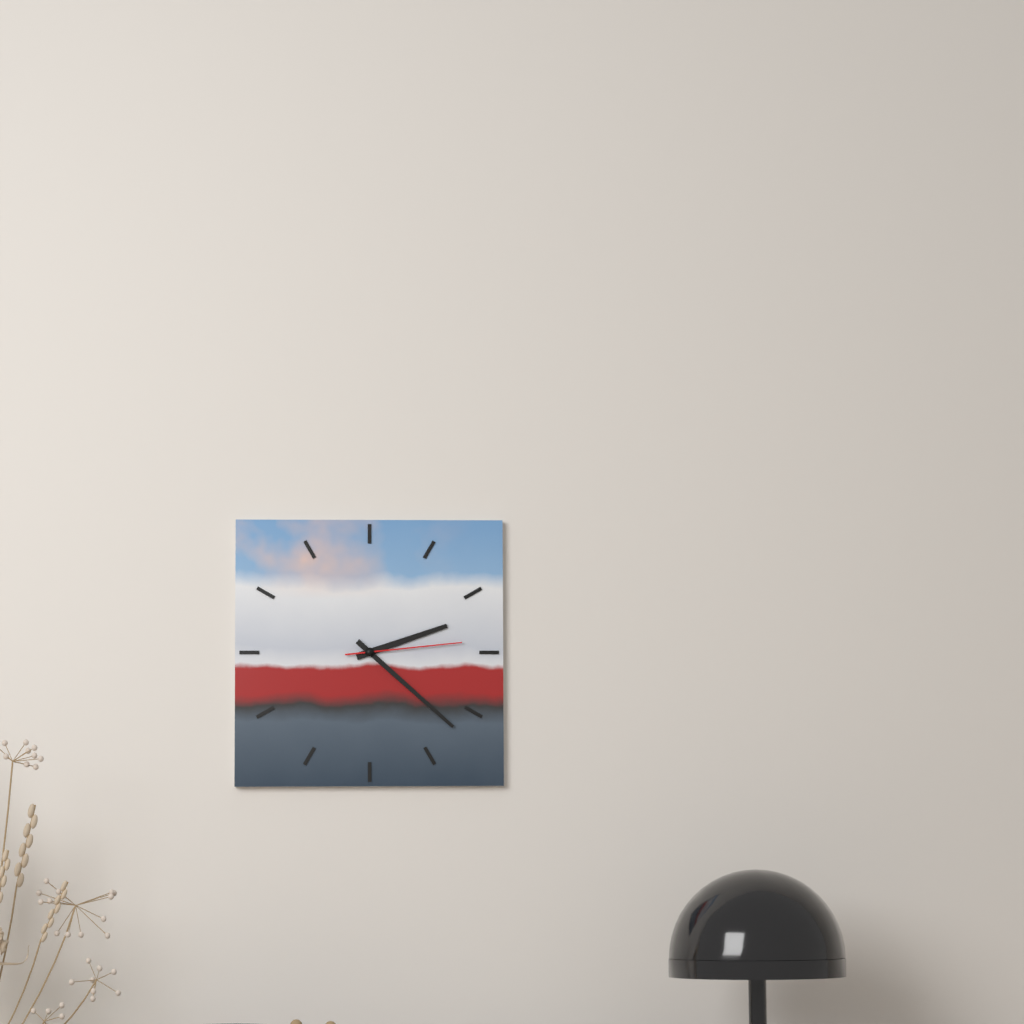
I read 2.22.14
